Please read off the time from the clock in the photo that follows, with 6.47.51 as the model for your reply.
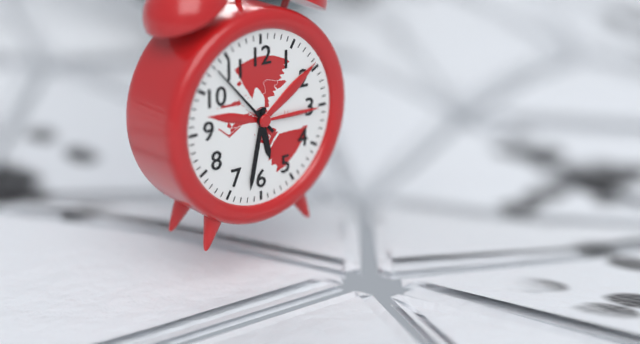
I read 5.32.53
